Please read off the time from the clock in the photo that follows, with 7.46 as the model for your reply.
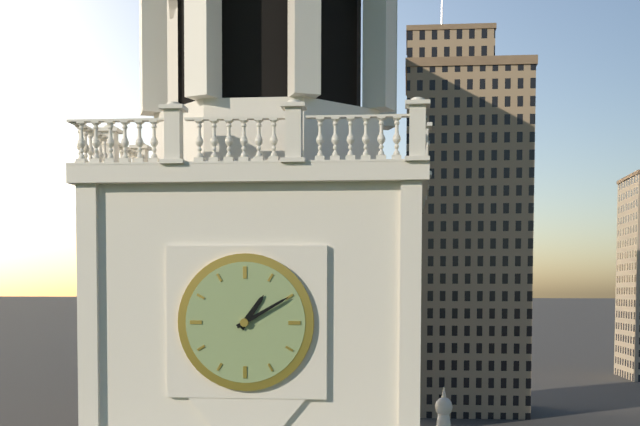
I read 1.10
